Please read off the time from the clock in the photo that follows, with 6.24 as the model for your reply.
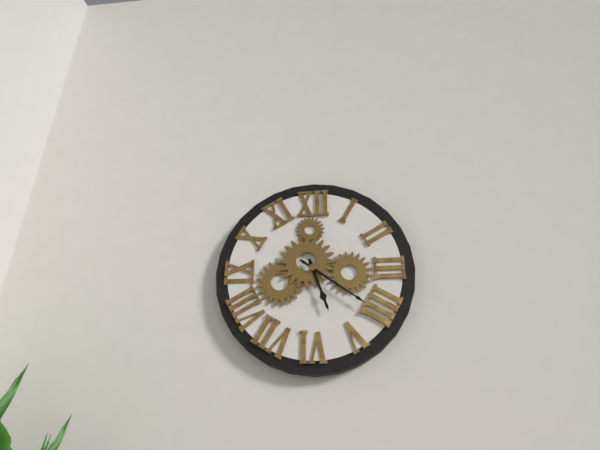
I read 5.21
